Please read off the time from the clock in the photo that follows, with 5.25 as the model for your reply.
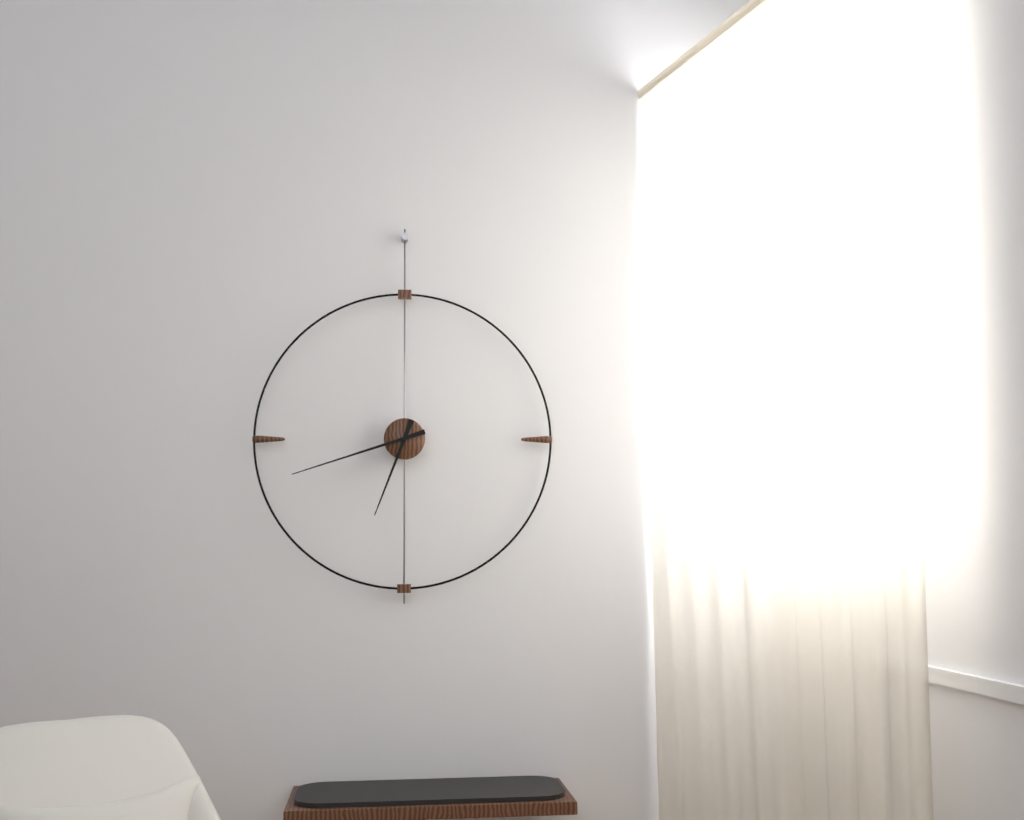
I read 6.42
